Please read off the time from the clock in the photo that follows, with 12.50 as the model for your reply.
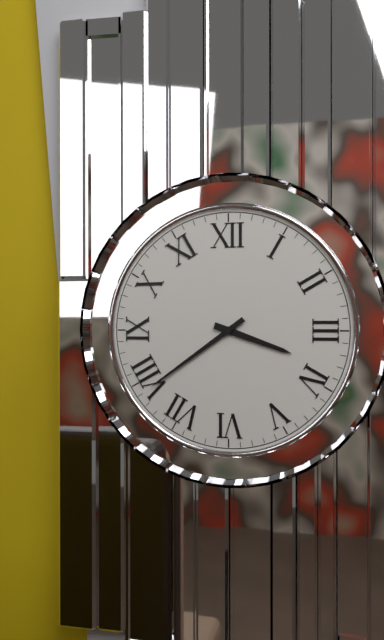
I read 3.39
